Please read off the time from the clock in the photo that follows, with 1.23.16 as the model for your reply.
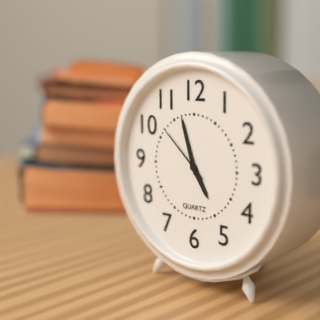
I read 4.57.52
